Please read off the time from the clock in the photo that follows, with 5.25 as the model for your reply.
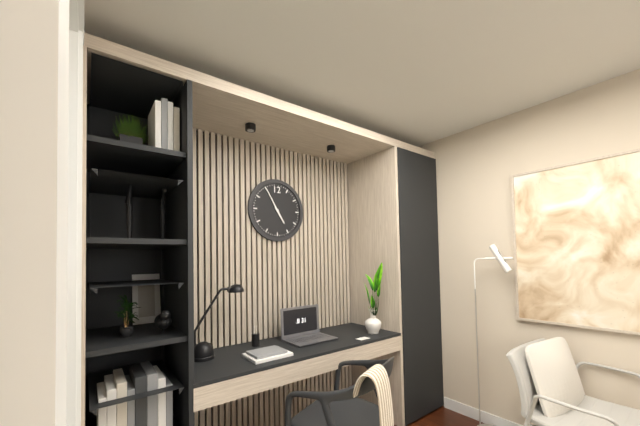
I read 4.55
